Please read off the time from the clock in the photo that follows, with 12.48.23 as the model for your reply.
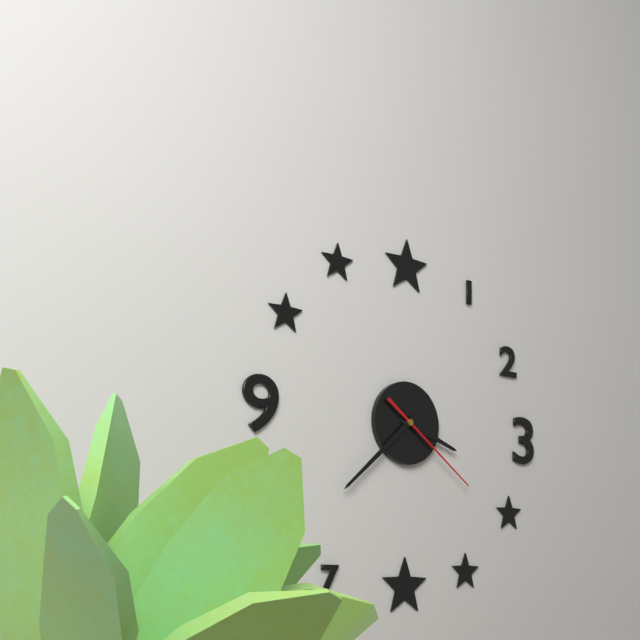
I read 3.38.21
